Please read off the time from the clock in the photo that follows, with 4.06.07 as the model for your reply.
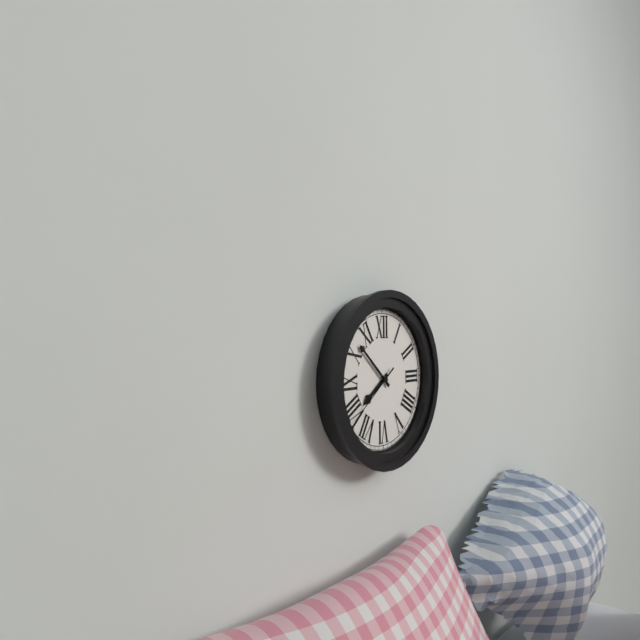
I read 7.52.39
